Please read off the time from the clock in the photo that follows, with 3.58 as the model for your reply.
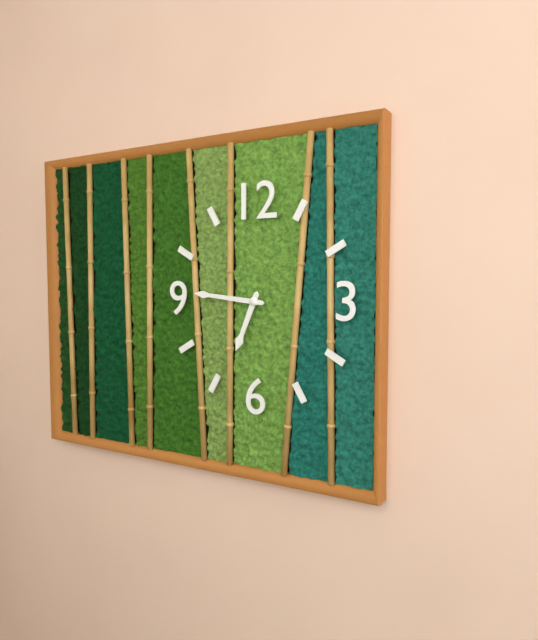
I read 6.46
